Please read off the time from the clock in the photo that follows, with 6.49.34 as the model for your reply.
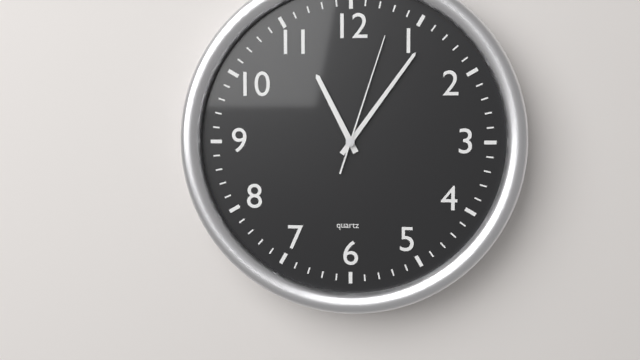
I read 11.06.03
